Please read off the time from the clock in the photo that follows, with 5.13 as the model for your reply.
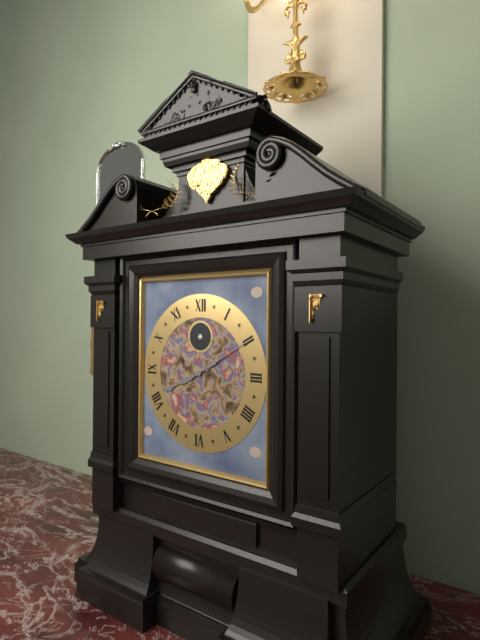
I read 8.10
